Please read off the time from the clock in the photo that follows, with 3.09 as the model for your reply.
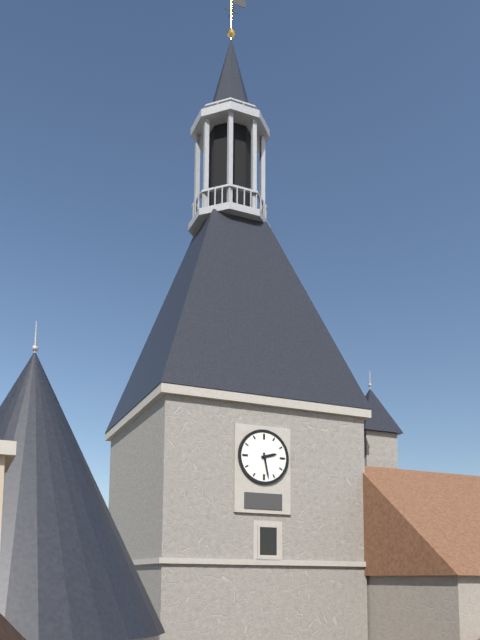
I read 2.28
